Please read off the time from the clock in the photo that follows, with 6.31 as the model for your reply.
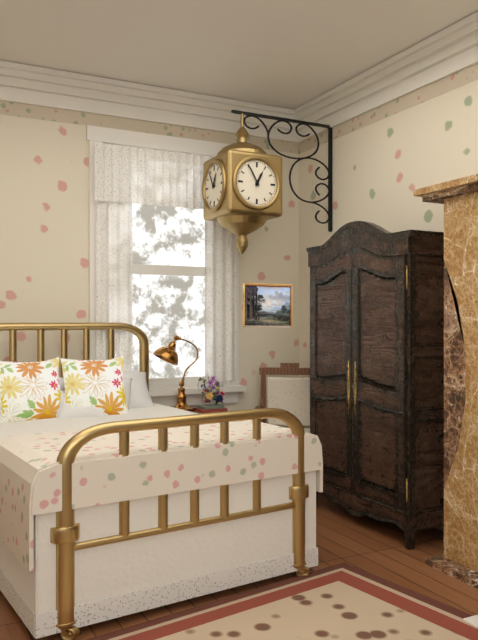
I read 12.55
